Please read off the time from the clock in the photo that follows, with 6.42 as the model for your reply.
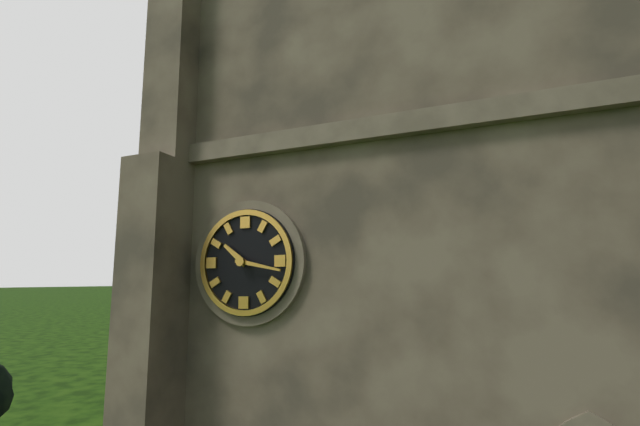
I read 10.17
